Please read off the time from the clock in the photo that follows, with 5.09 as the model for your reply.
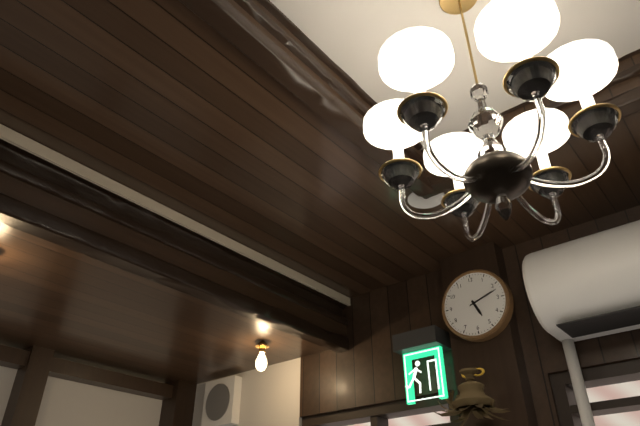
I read 5.12
